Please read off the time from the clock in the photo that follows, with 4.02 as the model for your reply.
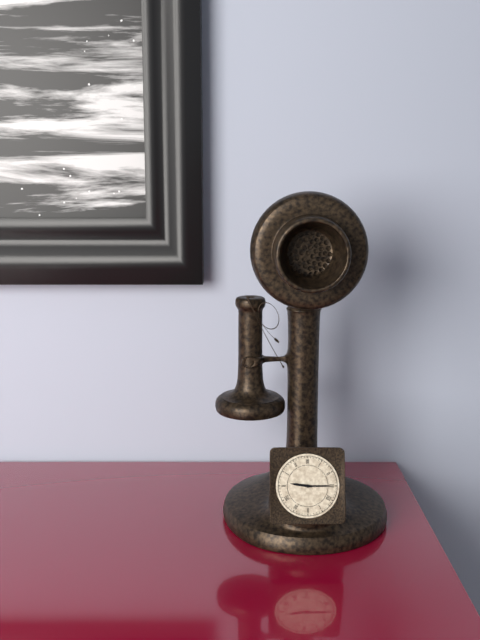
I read 9.15
